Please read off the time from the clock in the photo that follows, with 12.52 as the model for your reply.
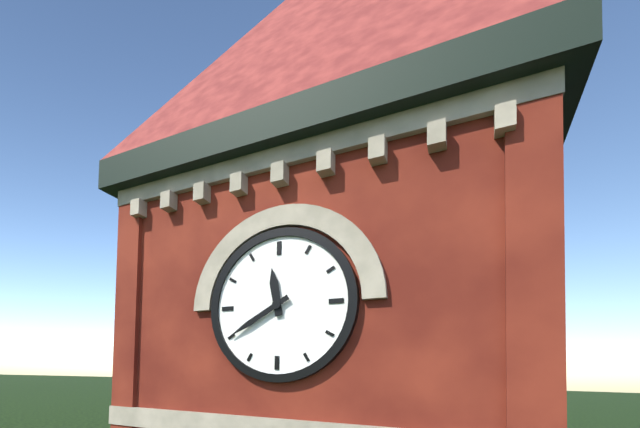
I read 11.40
